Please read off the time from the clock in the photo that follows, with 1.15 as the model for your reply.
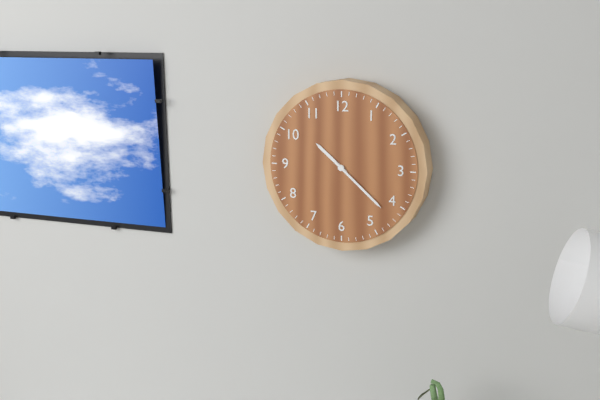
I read 10.22
